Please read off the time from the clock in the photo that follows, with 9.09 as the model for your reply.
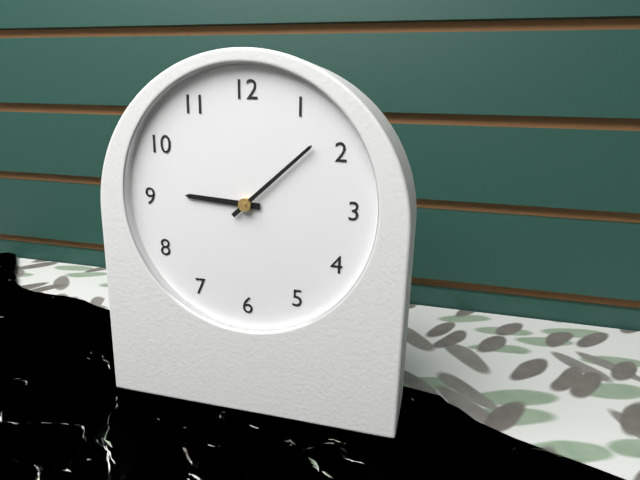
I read 9.08
